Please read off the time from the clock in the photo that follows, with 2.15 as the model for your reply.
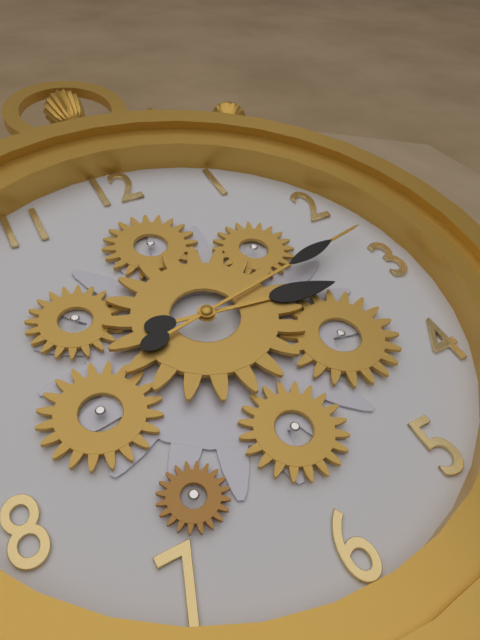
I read 3.13
